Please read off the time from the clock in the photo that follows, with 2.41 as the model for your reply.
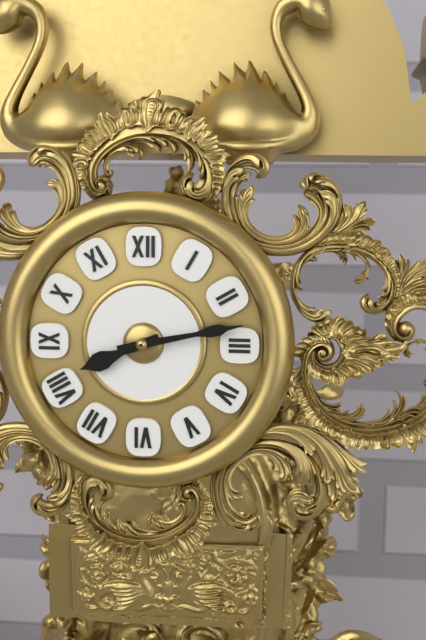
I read 8.13
